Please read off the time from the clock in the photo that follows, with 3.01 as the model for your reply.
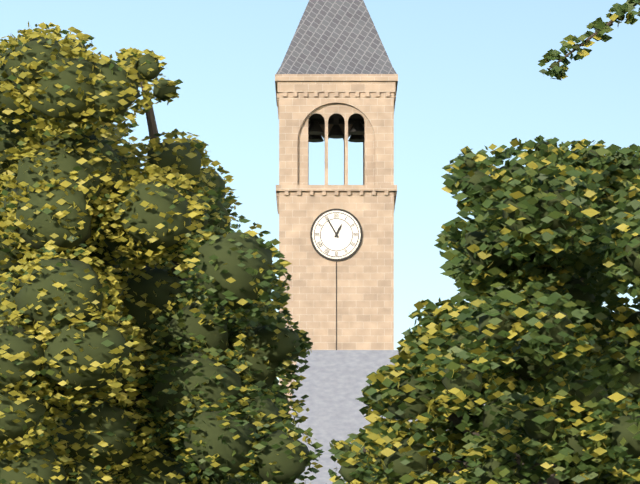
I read 12.55
